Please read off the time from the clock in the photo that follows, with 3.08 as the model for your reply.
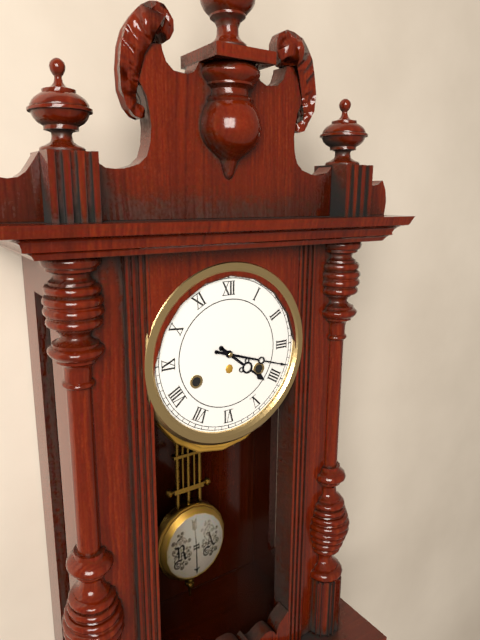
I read 4.18
